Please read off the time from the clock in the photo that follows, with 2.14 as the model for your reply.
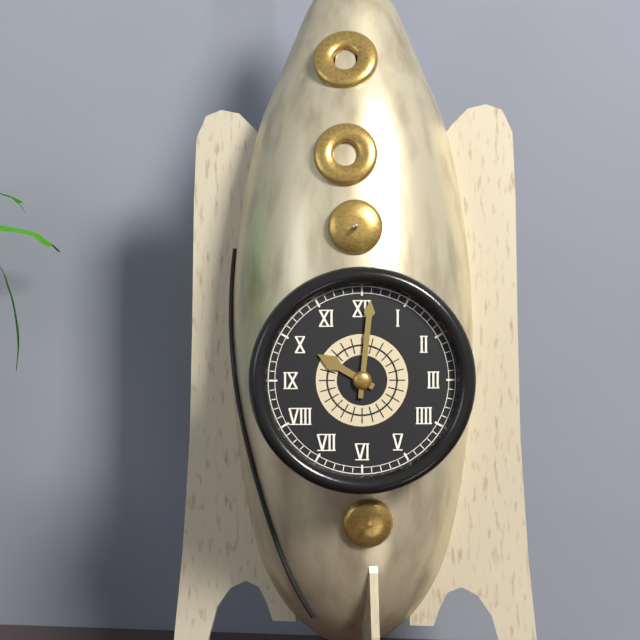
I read 10.01
